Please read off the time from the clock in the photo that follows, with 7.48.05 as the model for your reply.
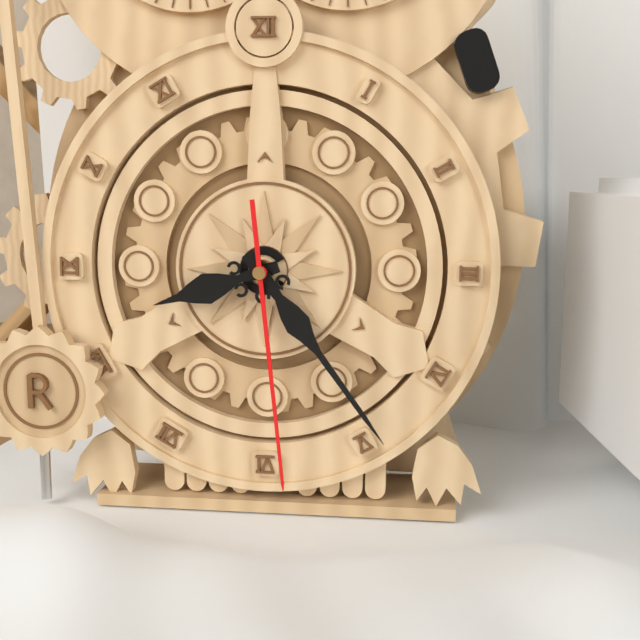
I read 8.24.29
